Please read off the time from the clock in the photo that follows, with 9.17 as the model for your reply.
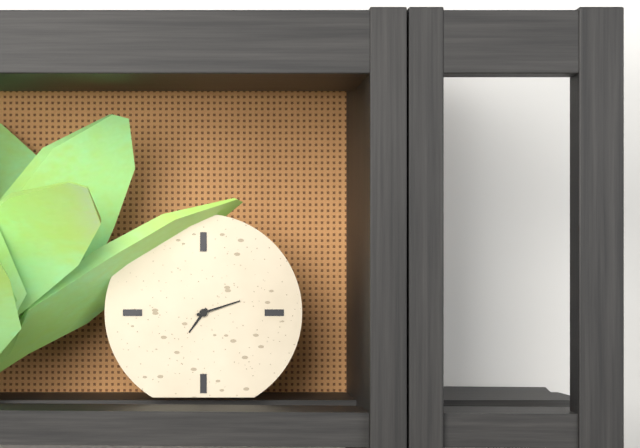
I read 7.12
